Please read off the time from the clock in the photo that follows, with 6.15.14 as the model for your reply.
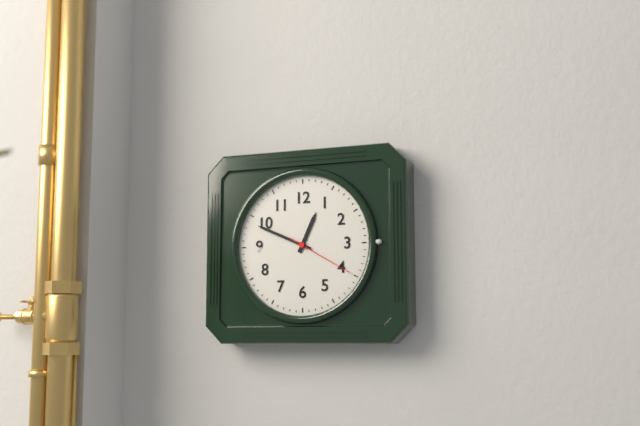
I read 12.49.20
